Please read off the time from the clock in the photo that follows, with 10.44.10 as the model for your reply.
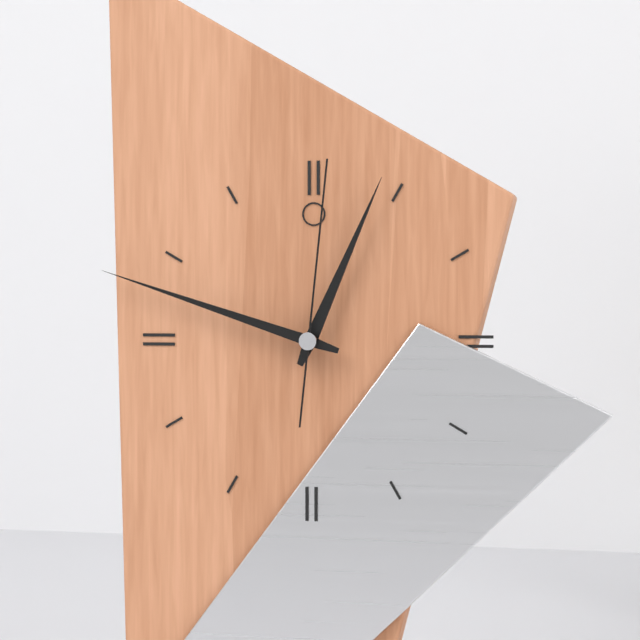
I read 12.48.01
